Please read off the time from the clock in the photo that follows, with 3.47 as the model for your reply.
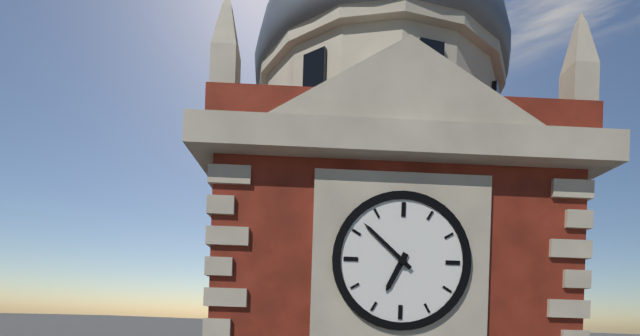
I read 6.52
